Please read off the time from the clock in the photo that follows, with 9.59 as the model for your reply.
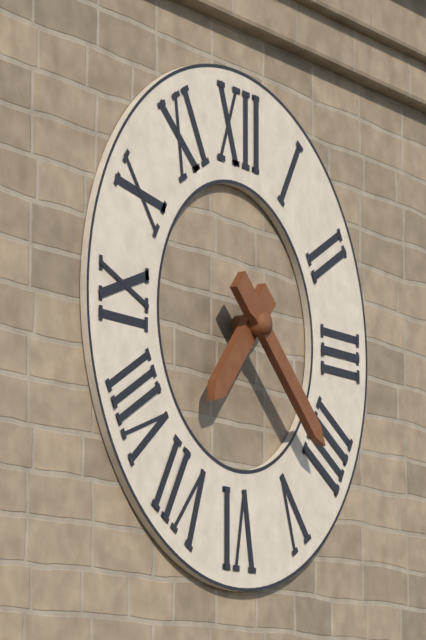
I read 7.22
